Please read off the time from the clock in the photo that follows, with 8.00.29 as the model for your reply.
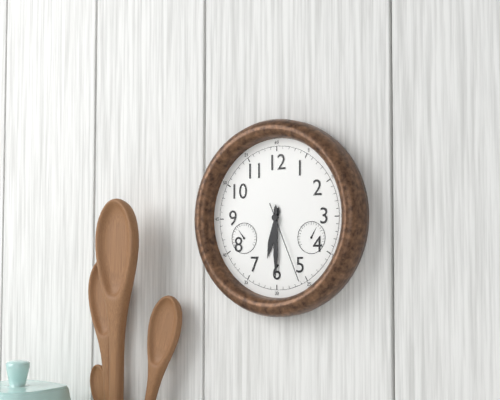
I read 6.30.26
